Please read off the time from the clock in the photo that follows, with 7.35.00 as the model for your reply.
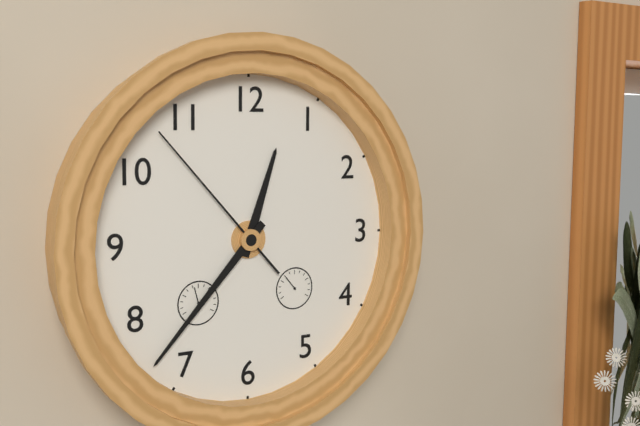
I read 12.37.53
